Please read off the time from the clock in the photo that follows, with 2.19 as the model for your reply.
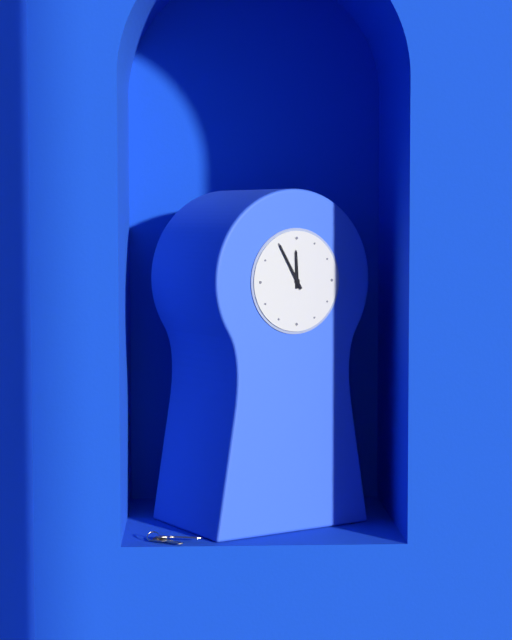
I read 11.55
